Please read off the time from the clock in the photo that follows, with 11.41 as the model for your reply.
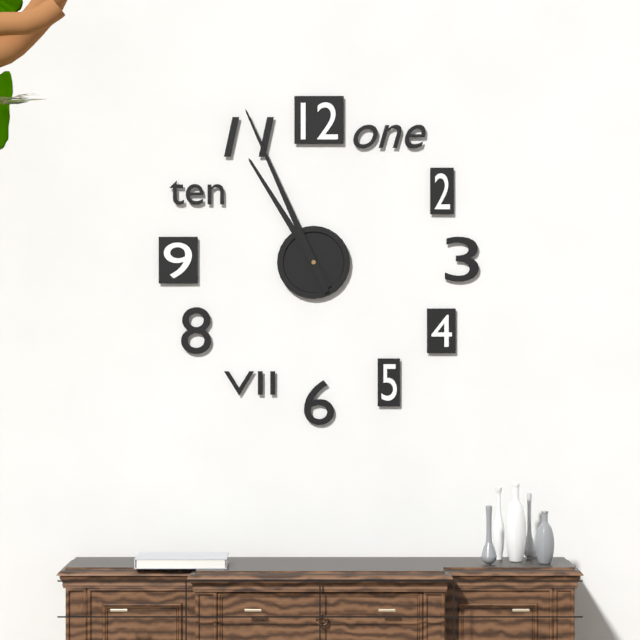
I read 10.56
